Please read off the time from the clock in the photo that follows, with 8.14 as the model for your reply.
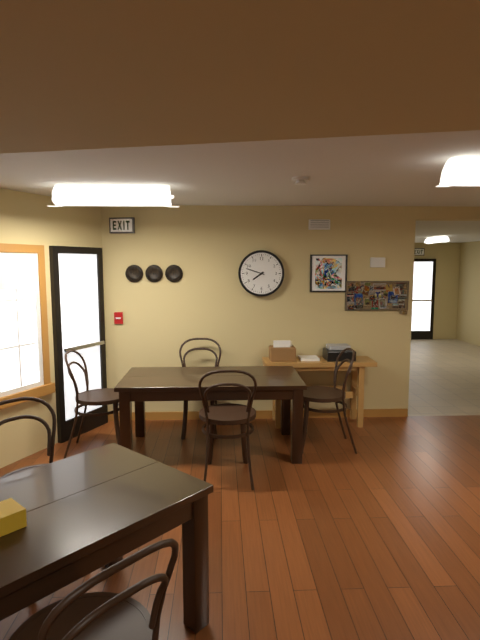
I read 7.48
